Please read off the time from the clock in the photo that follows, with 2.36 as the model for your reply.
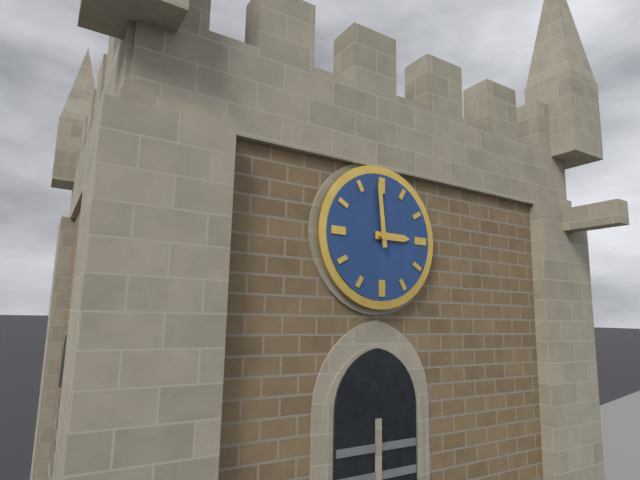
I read 2.59
